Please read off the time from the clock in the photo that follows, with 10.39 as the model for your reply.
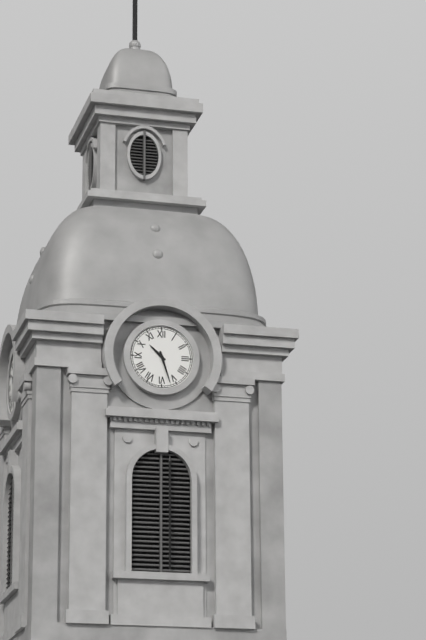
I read 10.27
